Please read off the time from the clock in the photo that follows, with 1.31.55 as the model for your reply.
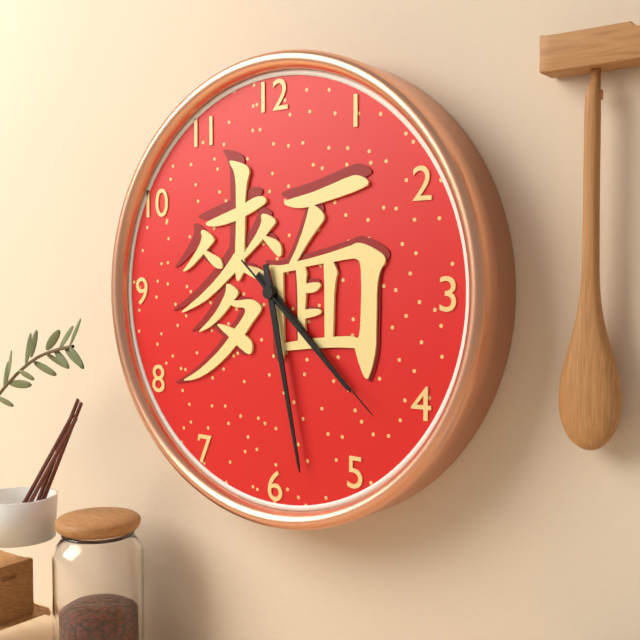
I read 4.28.22
